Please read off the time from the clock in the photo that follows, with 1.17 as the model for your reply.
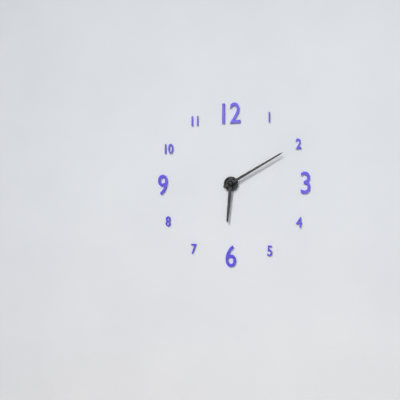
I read 6.10
